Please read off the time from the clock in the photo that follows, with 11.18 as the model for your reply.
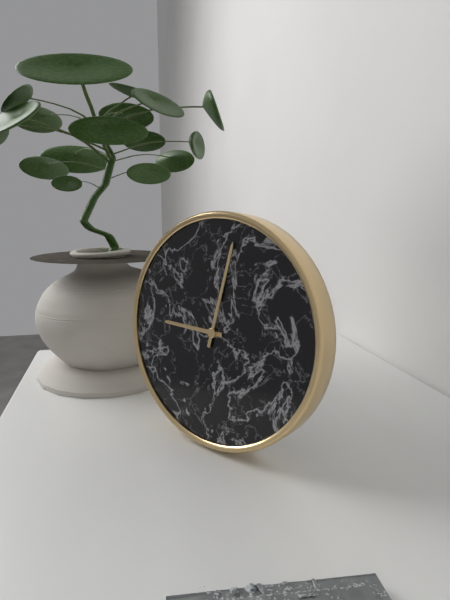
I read 9.02
